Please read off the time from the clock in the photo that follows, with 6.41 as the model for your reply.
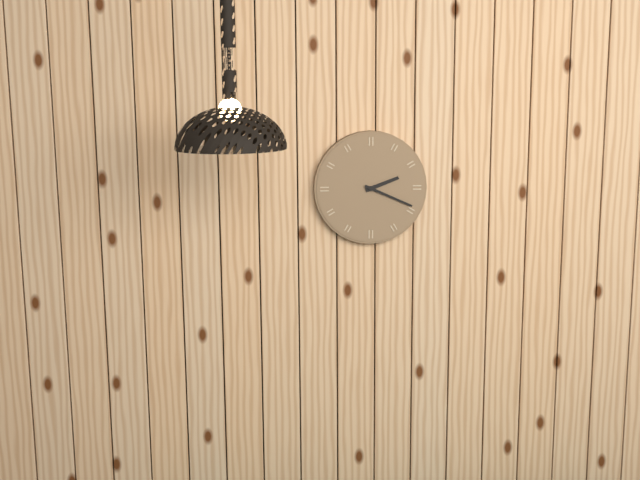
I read 2.19
